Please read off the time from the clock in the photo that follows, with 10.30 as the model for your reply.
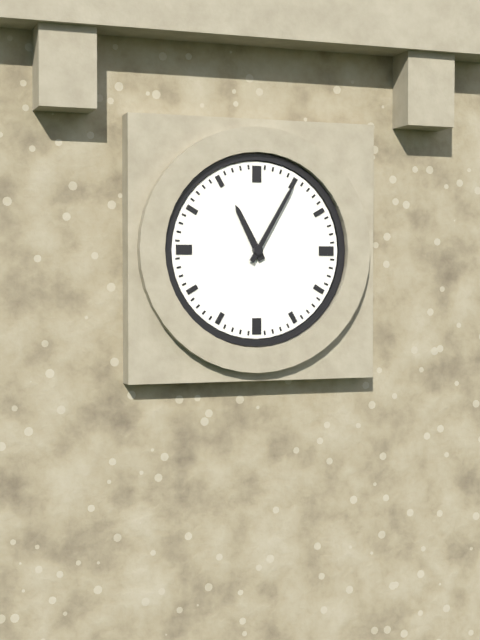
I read 11.05
